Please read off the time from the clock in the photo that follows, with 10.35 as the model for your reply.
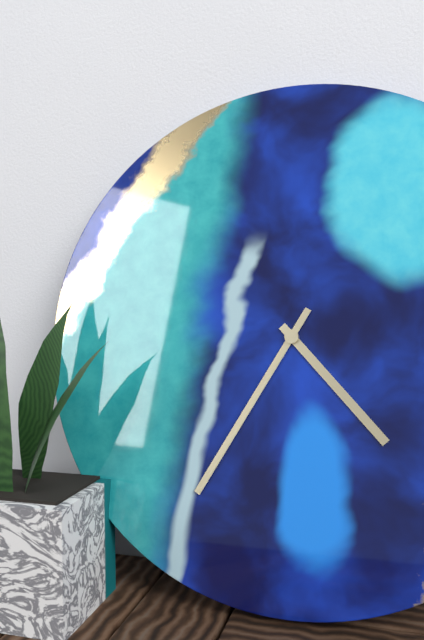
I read 4.35
